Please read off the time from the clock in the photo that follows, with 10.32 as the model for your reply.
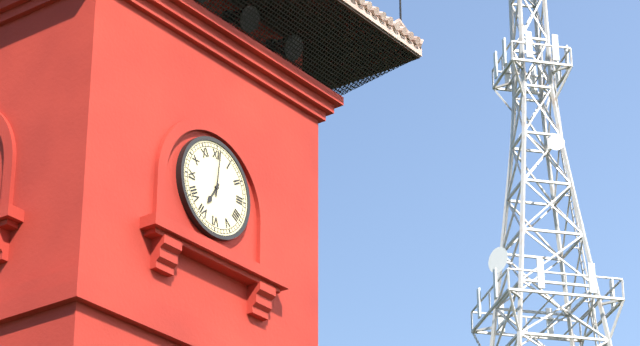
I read 7.01
